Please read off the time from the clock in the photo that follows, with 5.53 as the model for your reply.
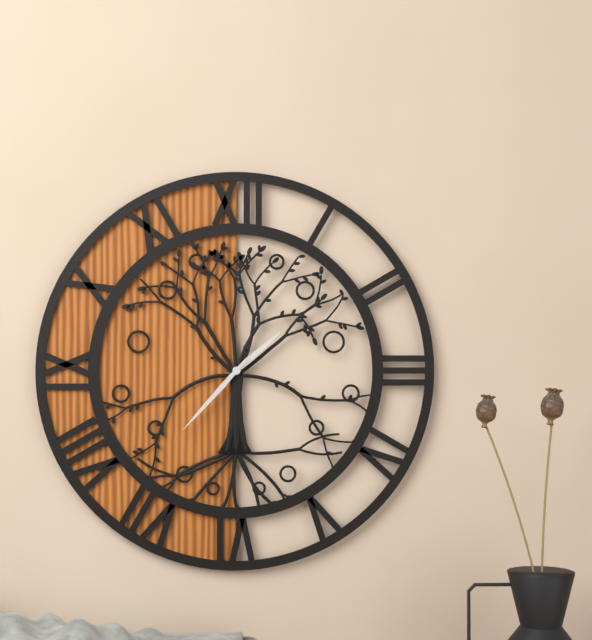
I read 1.37
